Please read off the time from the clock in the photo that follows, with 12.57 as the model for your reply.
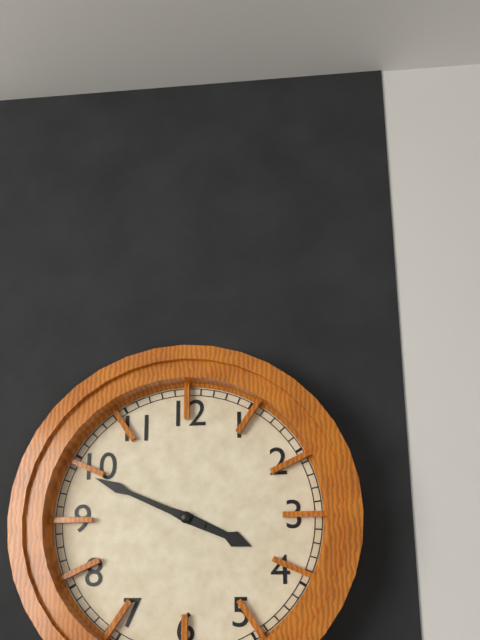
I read 3.49
